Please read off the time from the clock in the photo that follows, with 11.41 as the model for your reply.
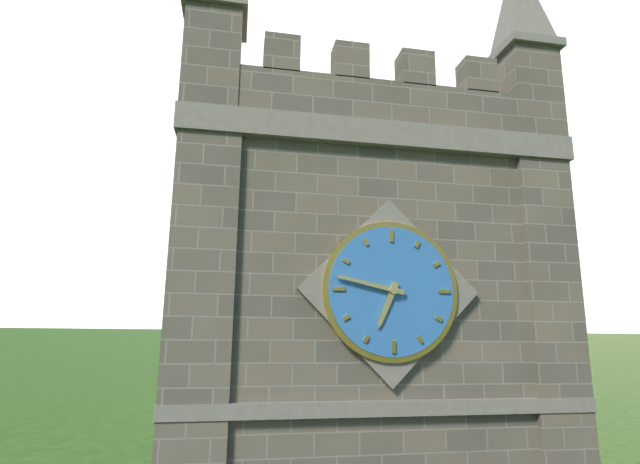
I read 6.47
